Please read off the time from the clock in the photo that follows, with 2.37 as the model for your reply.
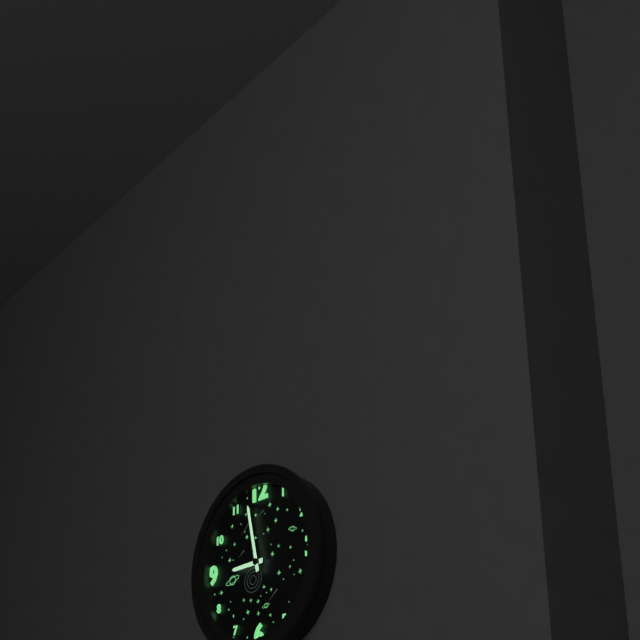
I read 8.58
